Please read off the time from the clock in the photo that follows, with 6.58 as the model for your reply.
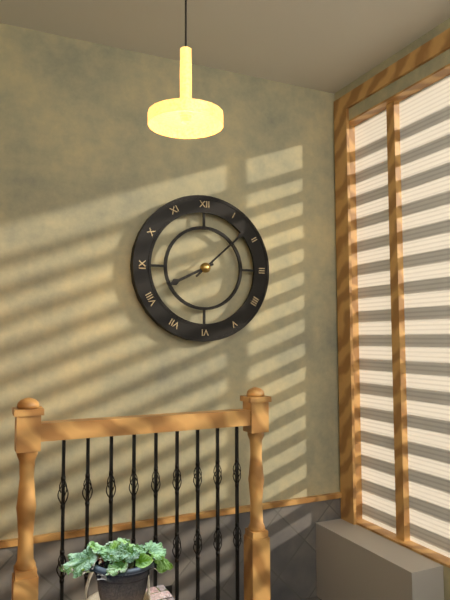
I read 8.08
